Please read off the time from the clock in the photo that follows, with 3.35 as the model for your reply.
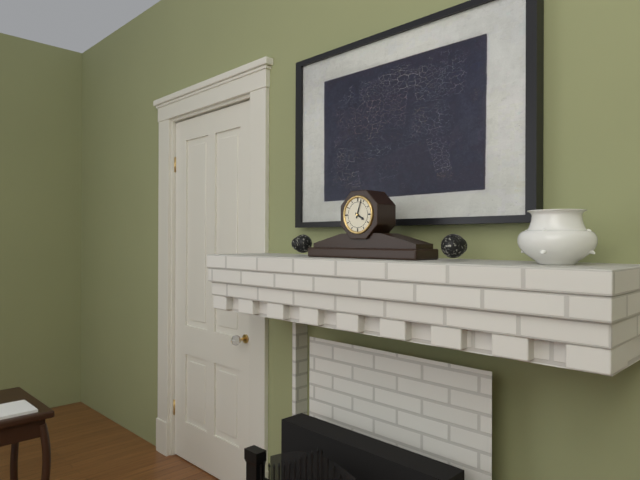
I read 4.03
